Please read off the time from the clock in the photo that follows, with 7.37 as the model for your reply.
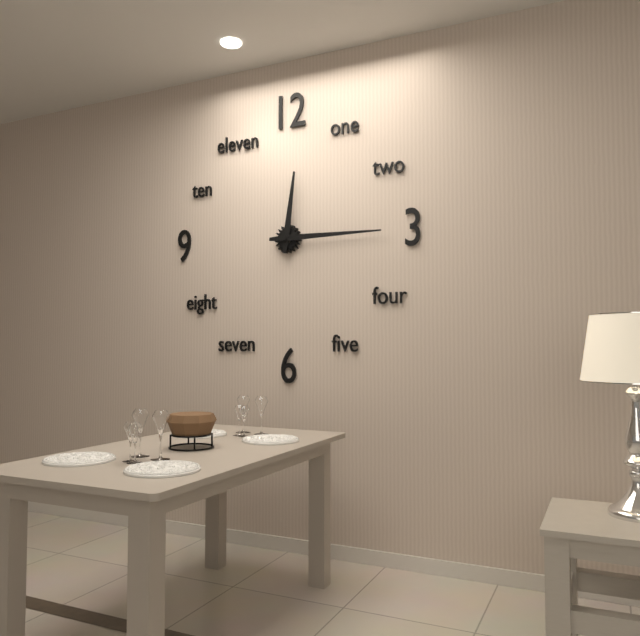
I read 12.15
